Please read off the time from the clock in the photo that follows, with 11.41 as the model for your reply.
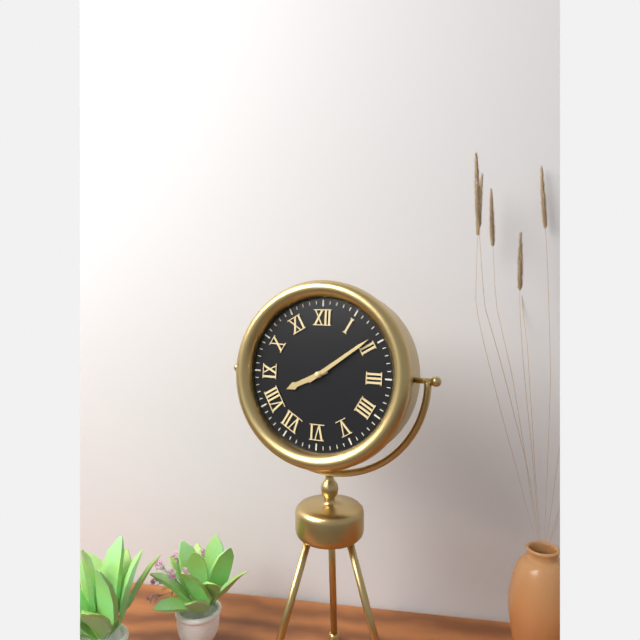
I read 8.09
